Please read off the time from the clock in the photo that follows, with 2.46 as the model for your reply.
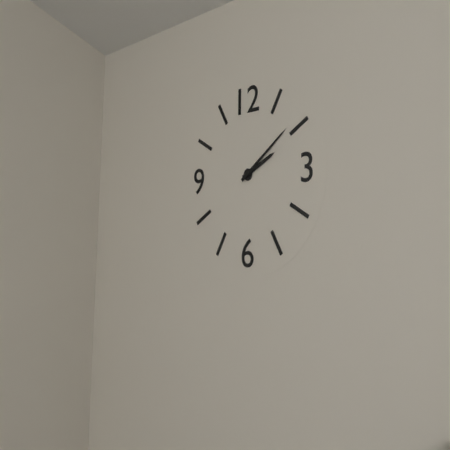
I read 2.09
